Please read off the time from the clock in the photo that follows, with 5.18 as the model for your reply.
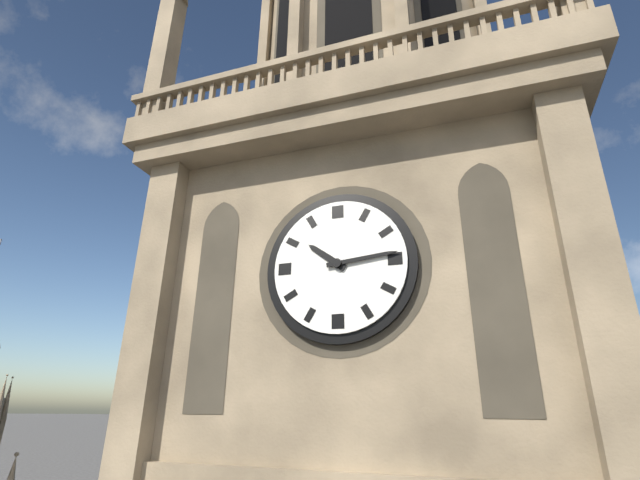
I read 10.14
